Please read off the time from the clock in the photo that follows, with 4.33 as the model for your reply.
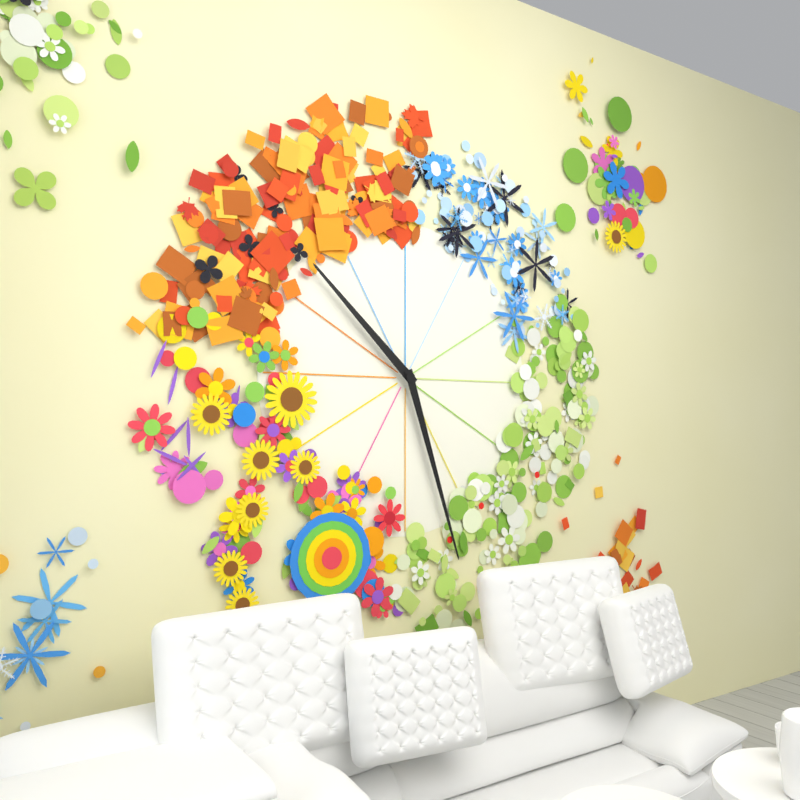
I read 10.27
